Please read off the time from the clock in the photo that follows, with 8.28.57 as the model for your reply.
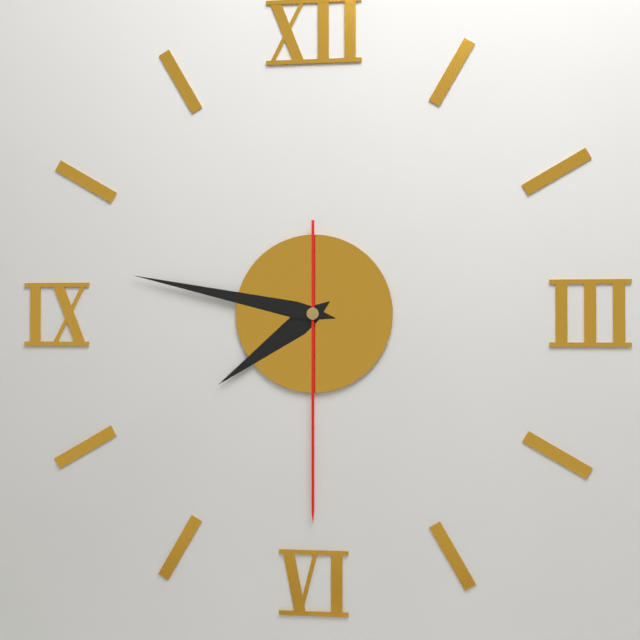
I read 7.47.30
